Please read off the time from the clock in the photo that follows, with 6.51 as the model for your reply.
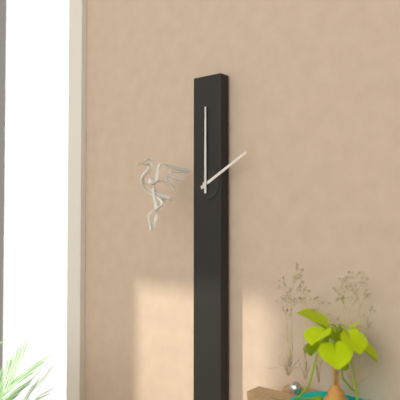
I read 2.00
